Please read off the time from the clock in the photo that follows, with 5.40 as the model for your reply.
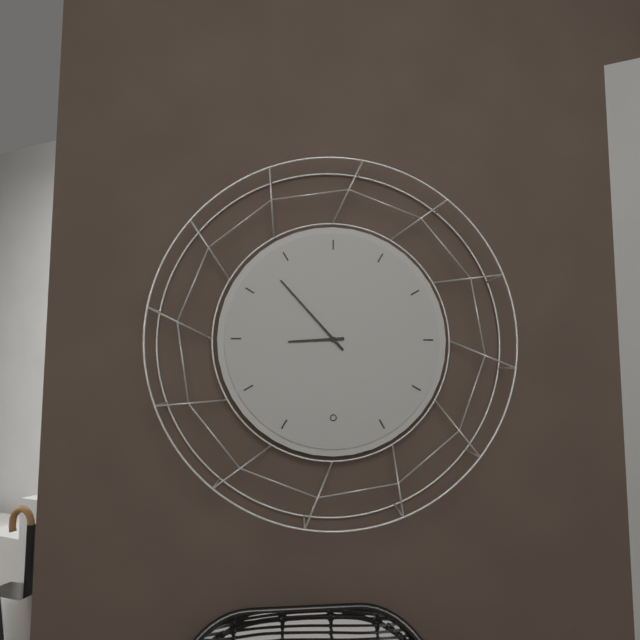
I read 8.53
